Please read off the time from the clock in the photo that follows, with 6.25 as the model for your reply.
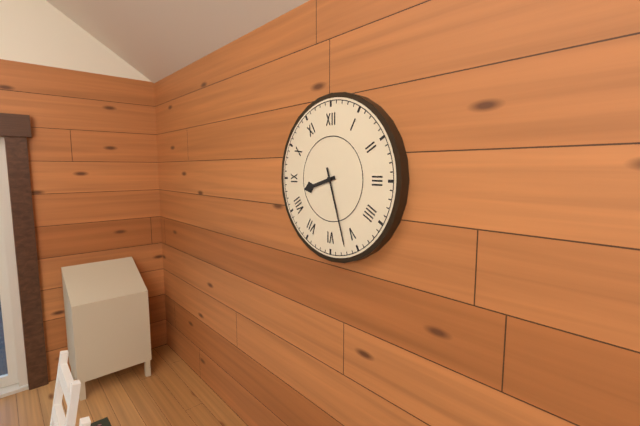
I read 8.27
